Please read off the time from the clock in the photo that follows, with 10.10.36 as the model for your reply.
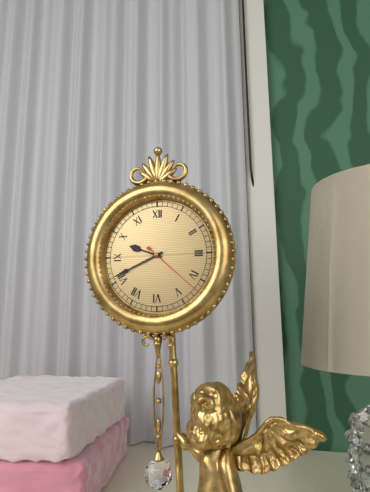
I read 9.41.22
